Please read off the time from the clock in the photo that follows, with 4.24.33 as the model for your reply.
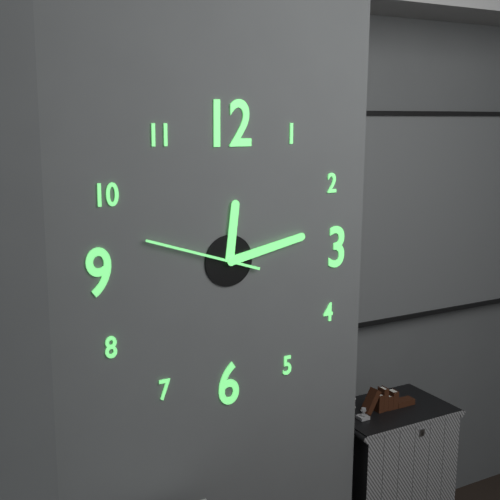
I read 12.13.48
